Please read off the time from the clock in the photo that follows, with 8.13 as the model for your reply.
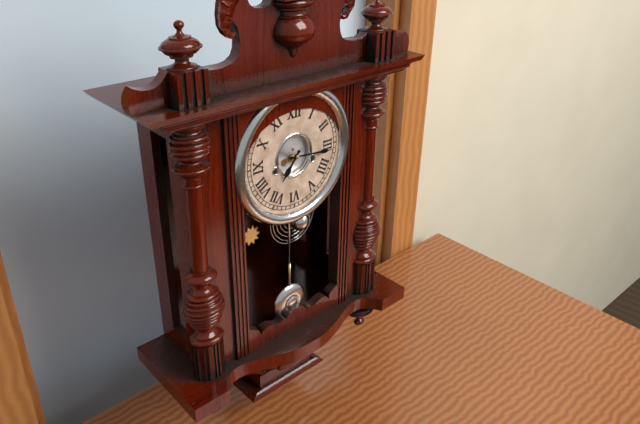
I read 7.16
